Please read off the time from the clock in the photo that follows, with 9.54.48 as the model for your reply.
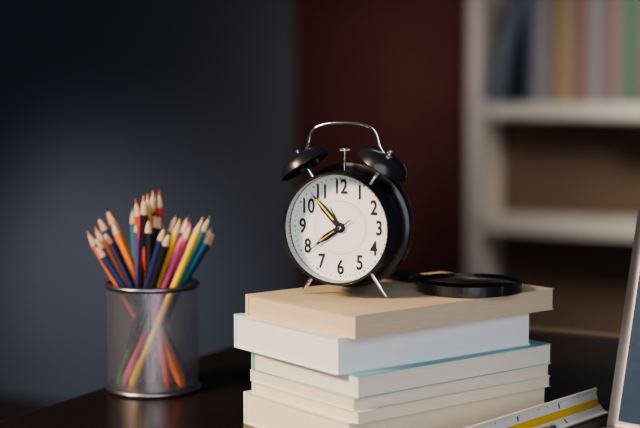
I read 7.53.39
